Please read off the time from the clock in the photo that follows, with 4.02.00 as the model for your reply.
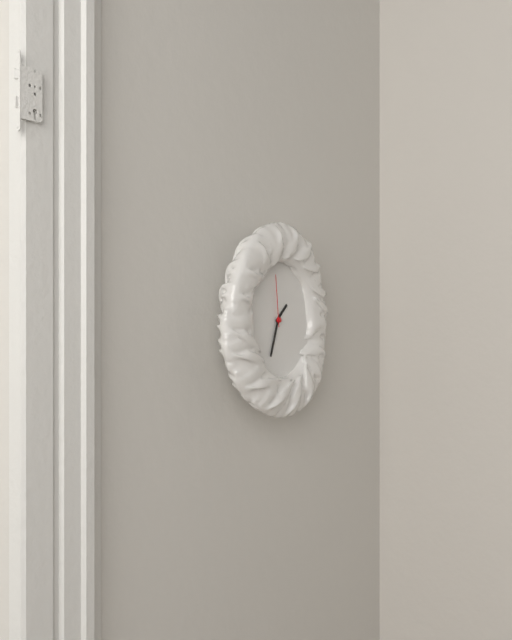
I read 1.33.59
